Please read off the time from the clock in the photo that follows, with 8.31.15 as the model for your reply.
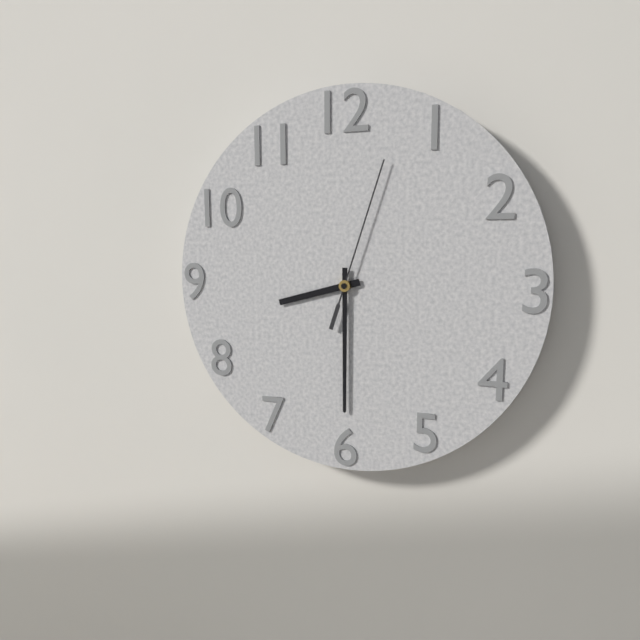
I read 8.30.03
